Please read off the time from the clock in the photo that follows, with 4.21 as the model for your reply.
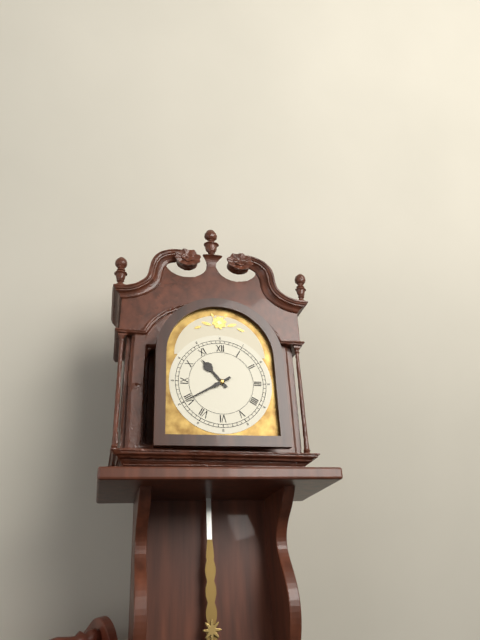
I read 10.40
